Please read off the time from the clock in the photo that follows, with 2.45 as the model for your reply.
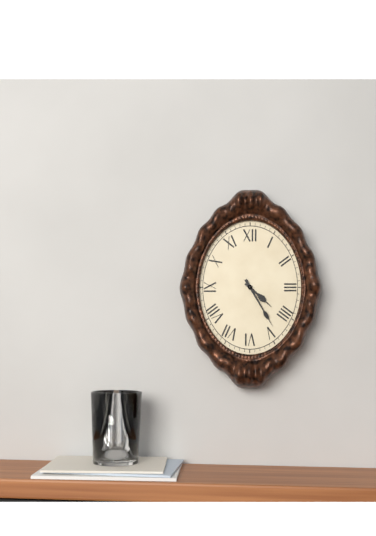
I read 4.25
